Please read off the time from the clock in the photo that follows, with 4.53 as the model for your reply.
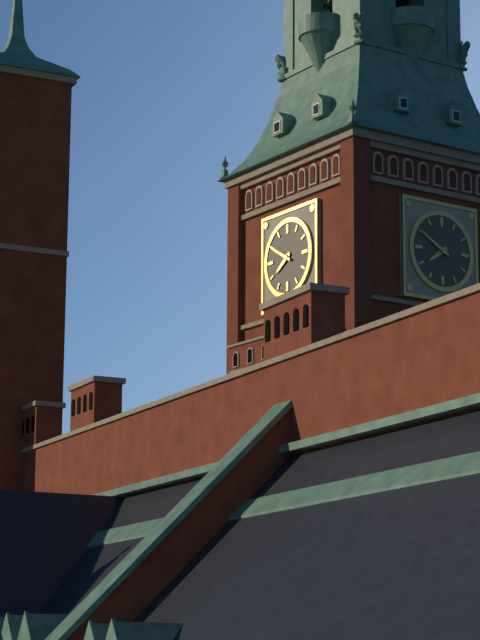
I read 7.50
